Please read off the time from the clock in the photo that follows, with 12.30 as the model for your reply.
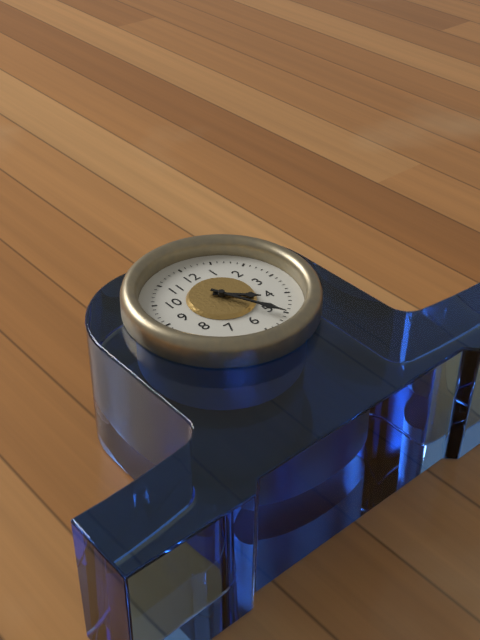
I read 4.26
